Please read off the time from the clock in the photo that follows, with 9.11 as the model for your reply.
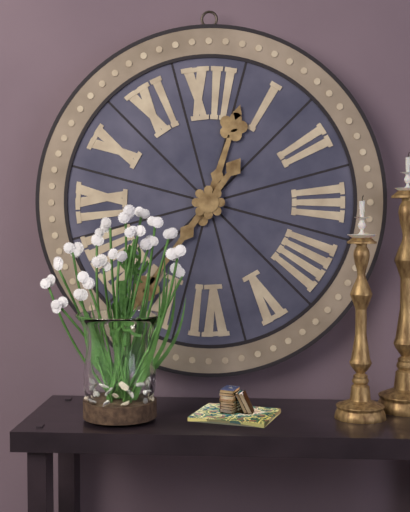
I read 12.36
